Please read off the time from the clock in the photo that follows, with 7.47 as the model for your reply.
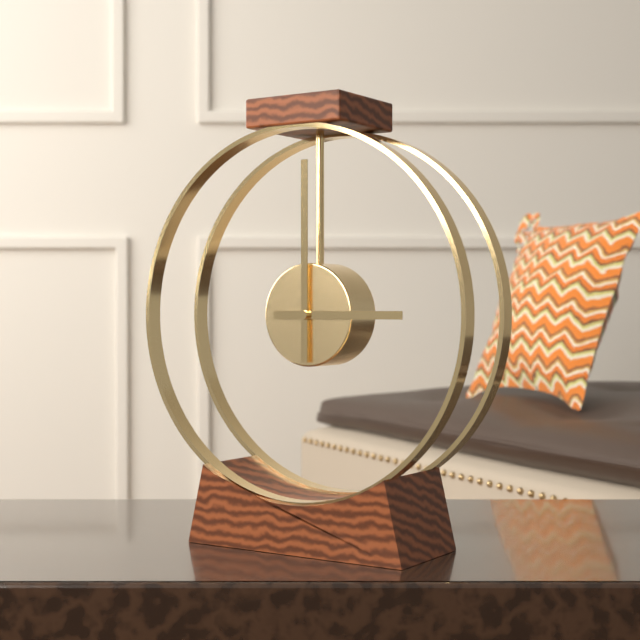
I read 3.00
